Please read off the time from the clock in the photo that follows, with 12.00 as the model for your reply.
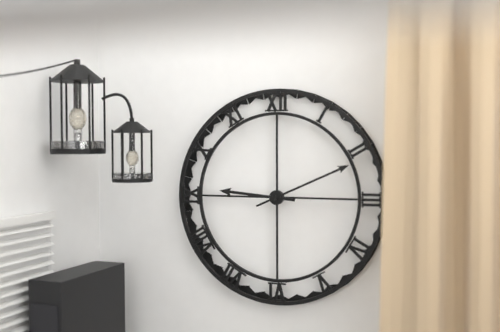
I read 9.11
